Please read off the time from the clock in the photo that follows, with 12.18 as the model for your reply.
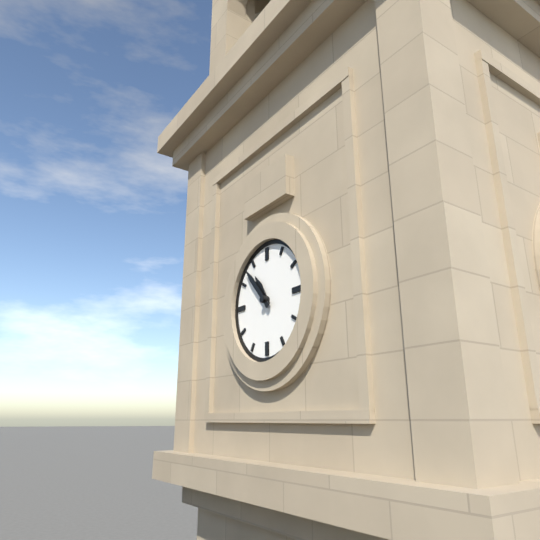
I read 10.53
